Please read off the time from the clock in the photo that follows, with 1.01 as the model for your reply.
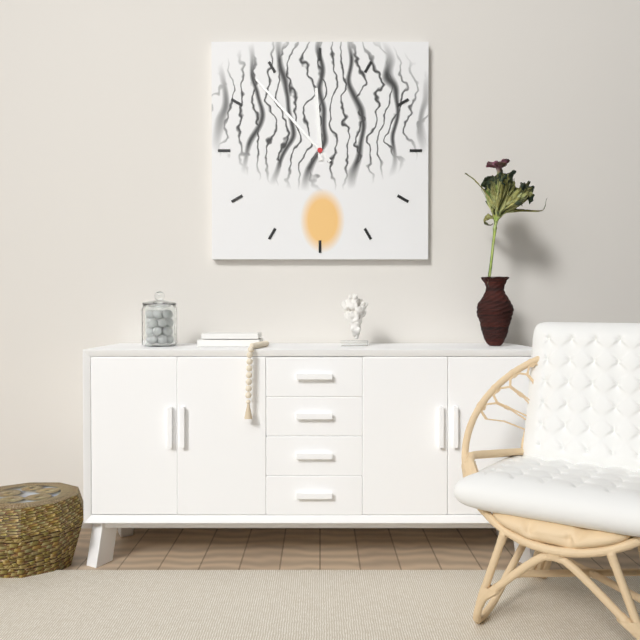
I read 11.53
